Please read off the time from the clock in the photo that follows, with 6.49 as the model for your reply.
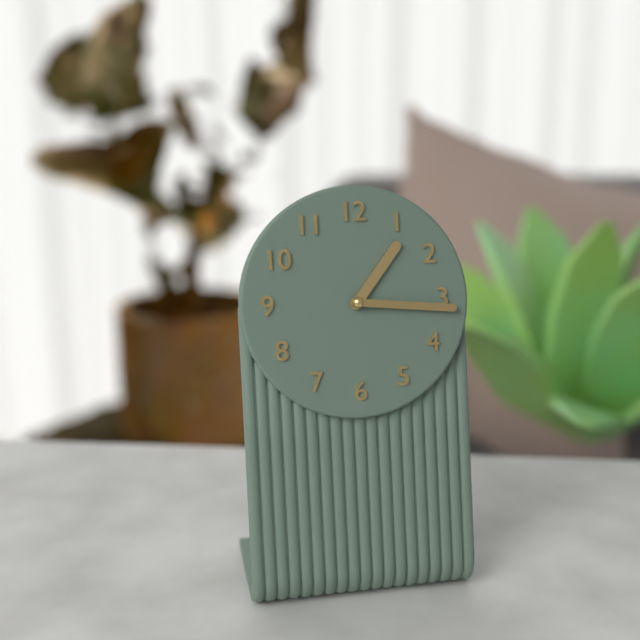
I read 1.16
